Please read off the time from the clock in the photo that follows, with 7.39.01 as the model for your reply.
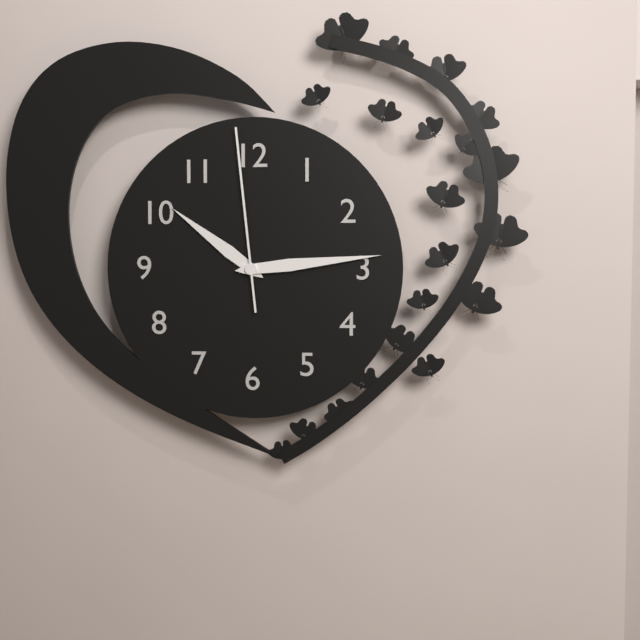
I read 10.14.59
